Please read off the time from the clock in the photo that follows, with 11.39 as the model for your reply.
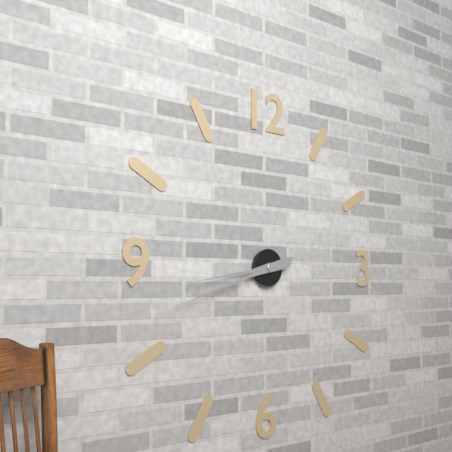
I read 8.42
